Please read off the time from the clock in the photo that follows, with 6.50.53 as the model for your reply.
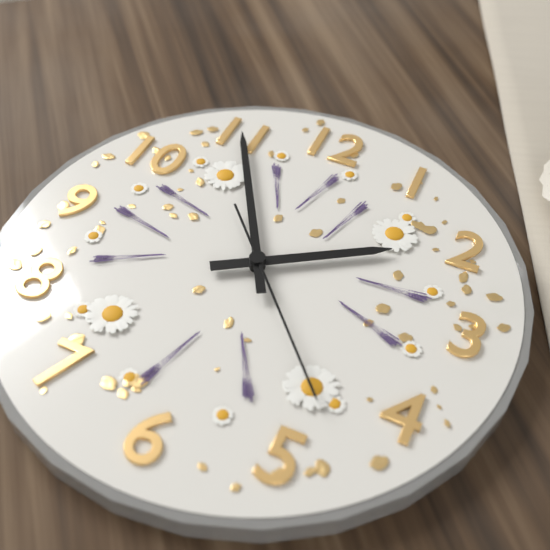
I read 1.55.23
